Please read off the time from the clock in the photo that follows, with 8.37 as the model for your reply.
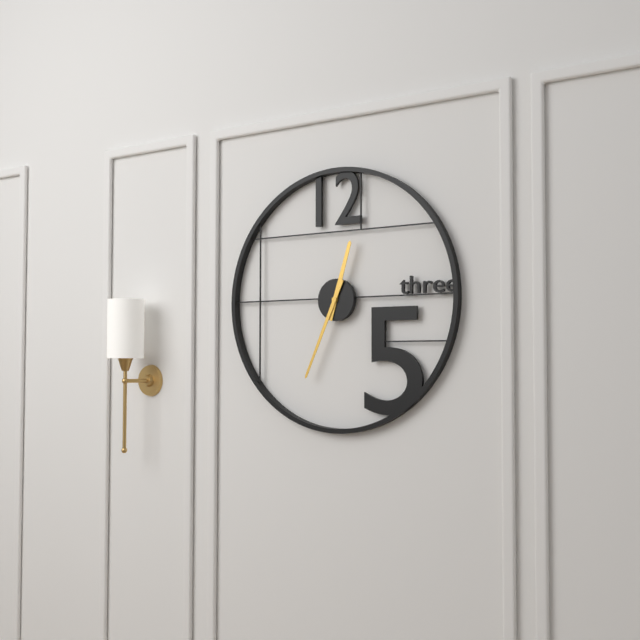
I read 12.34
